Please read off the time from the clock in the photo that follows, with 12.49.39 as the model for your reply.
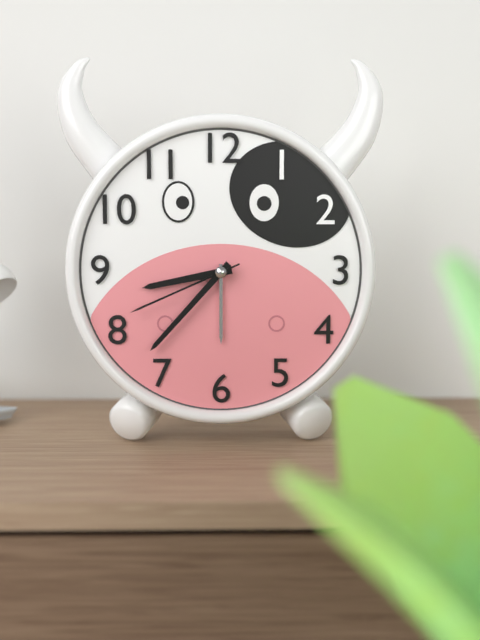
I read 8.37.41
